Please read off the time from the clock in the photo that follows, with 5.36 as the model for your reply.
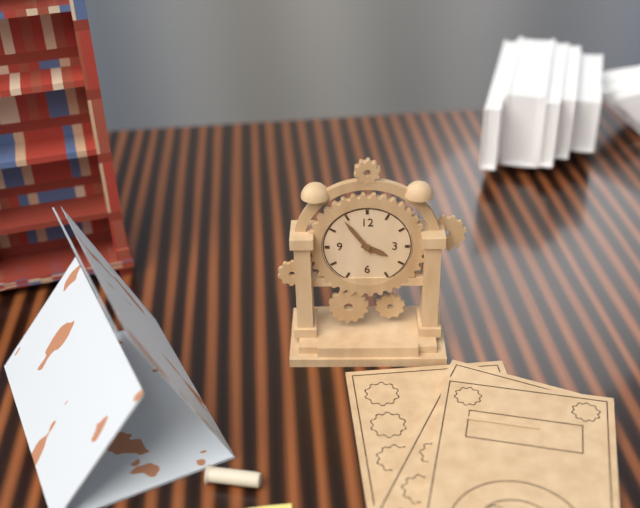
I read 3.54
